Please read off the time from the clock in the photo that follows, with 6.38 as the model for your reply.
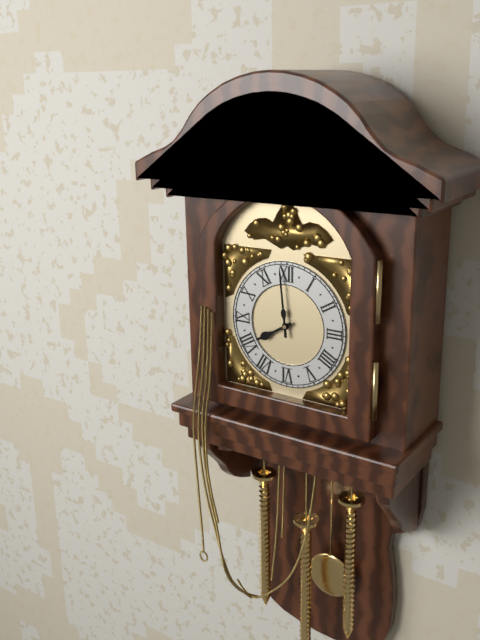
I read 7.59
